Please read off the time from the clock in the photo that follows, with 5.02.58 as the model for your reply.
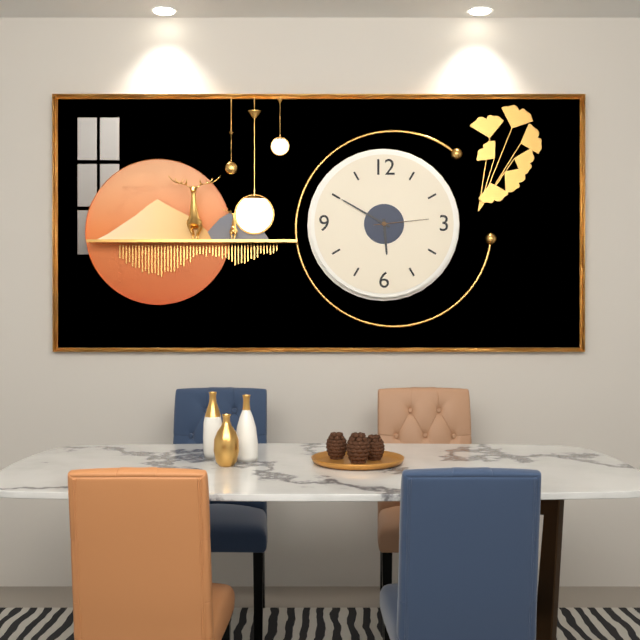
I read 5.50.14
